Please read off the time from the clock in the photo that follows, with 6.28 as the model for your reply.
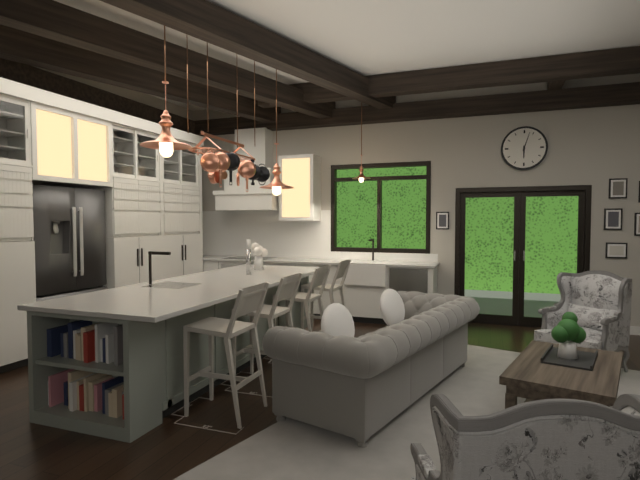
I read 6.03
